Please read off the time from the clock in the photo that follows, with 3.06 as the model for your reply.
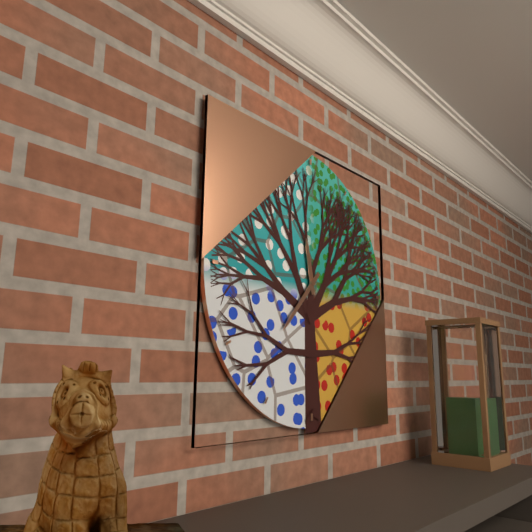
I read 11.37
